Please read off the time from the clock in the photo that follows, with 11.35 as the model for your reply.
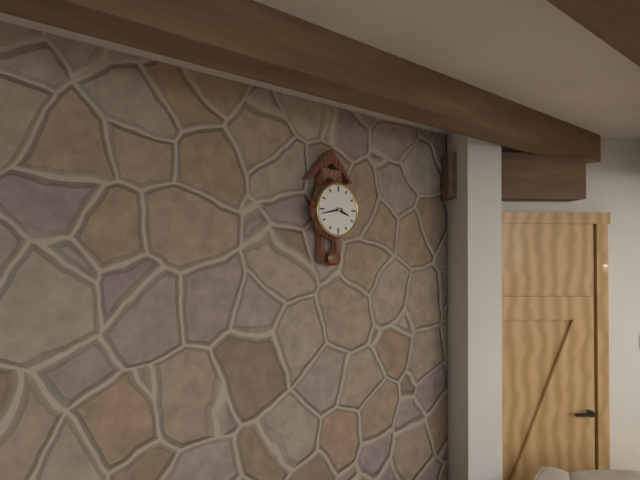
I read 3.43
